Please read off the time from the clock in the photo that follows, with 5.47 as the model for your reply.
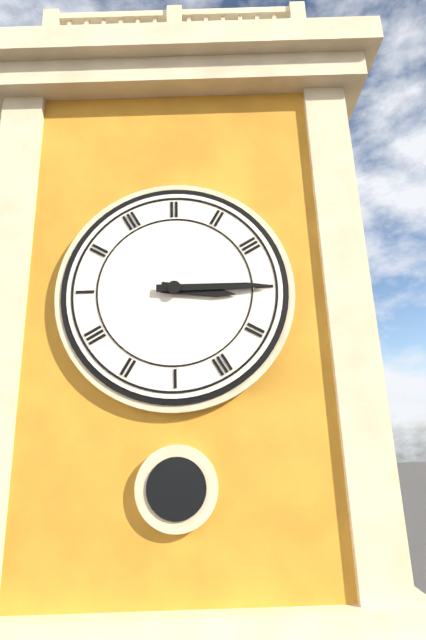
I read 3.15
